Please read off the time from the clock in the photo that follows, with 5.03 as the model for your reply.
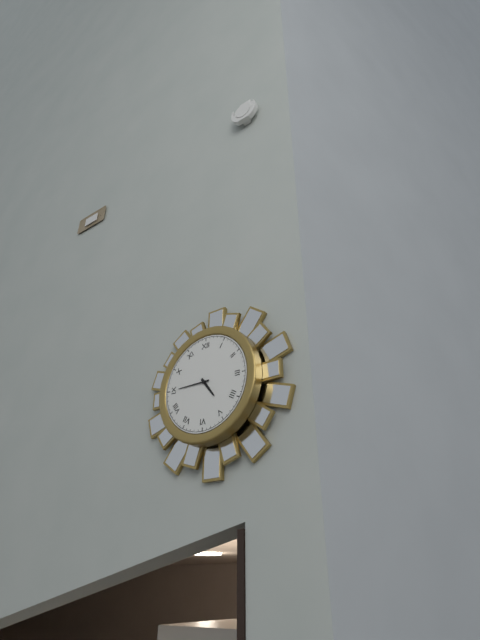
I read 4.45
